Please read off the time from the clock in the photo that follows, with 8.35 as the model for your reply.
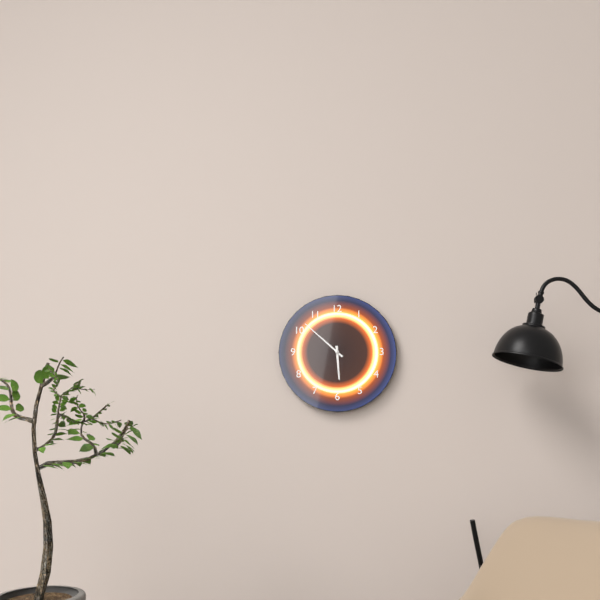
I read 5.52
